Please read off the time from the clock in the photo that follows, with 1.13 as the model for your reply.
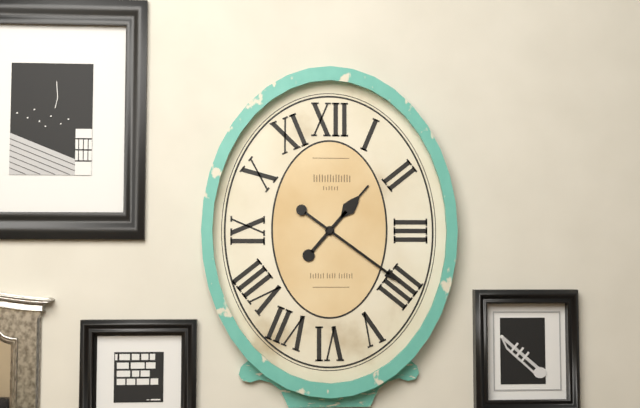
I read 1.21
